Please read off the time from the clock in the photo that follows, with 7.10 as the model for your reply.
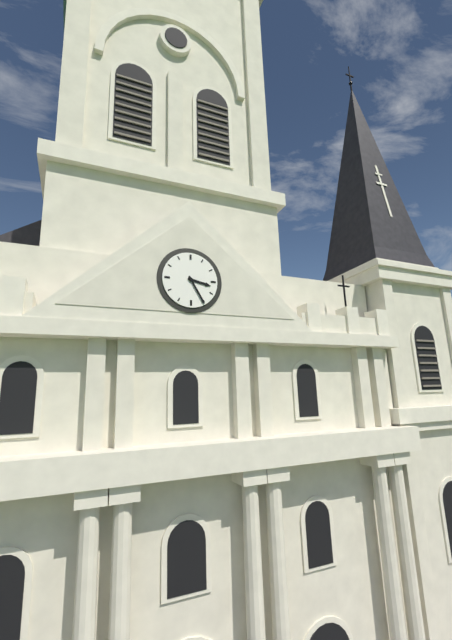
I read 3.25
